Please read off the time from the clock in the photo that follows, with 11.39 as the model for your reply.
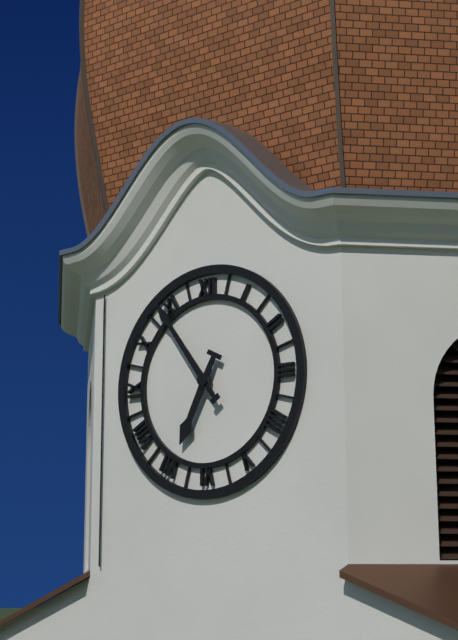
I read 6.54
